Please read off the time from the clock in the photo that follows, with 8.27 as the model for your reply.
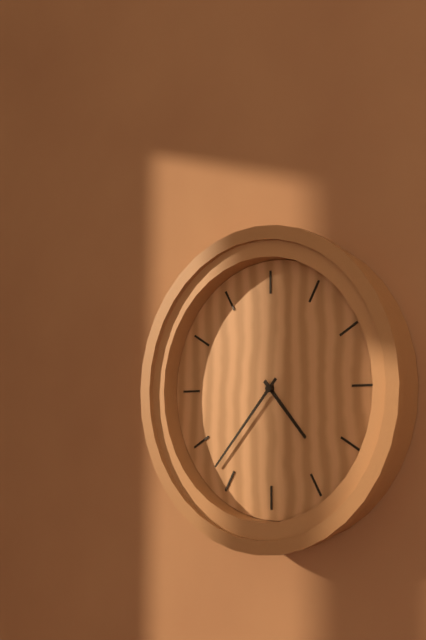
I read 4.37
